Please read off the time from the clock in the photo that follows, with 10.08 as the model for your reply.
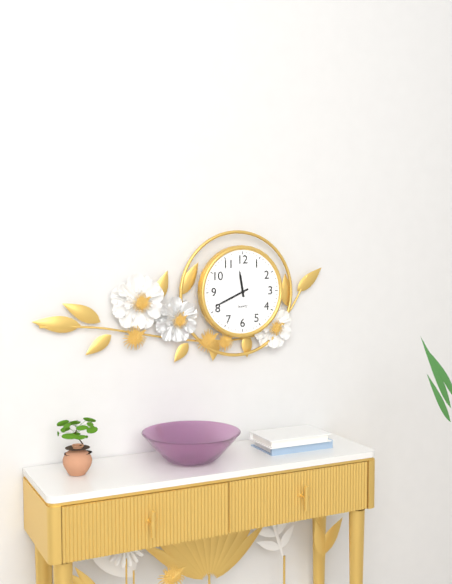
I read 11.41
